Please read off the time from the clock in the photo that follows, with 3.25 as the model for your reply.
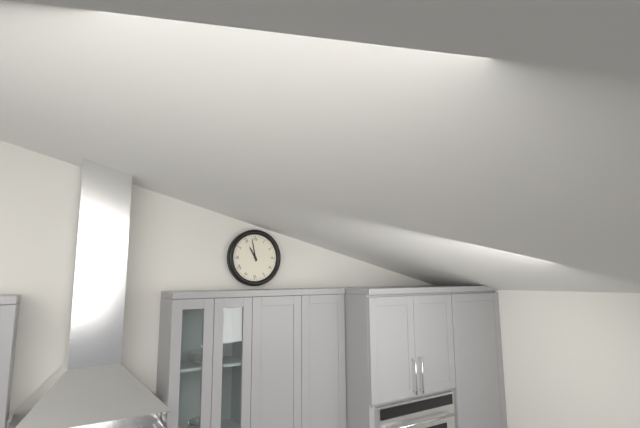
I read 10.58
